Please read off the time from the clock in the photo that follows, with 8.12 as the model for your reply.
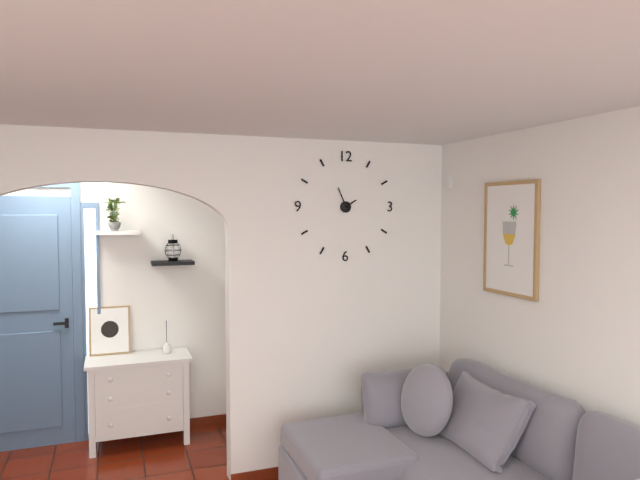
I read 1.56
